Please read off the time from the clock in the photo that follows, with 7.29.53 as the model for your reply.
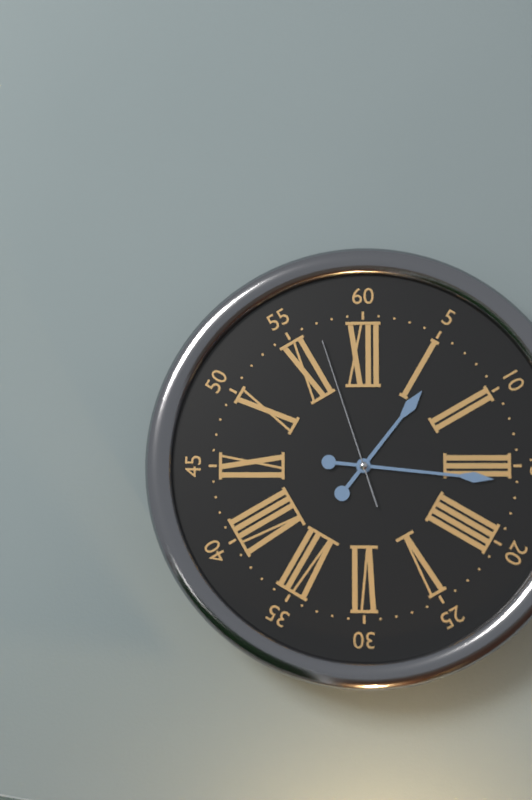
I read 1.16.57
